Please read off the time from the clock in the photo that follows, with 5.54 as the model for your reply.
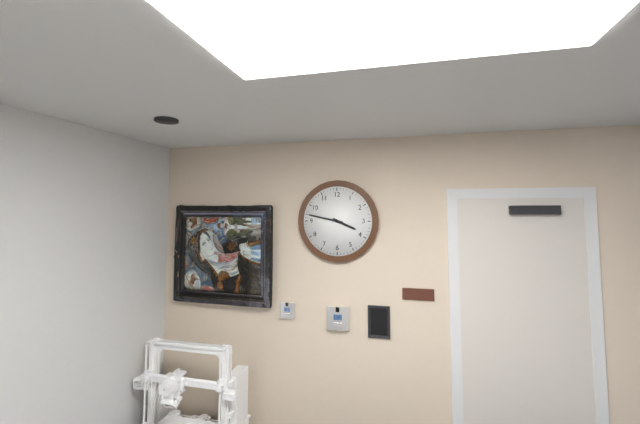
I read 3.47
